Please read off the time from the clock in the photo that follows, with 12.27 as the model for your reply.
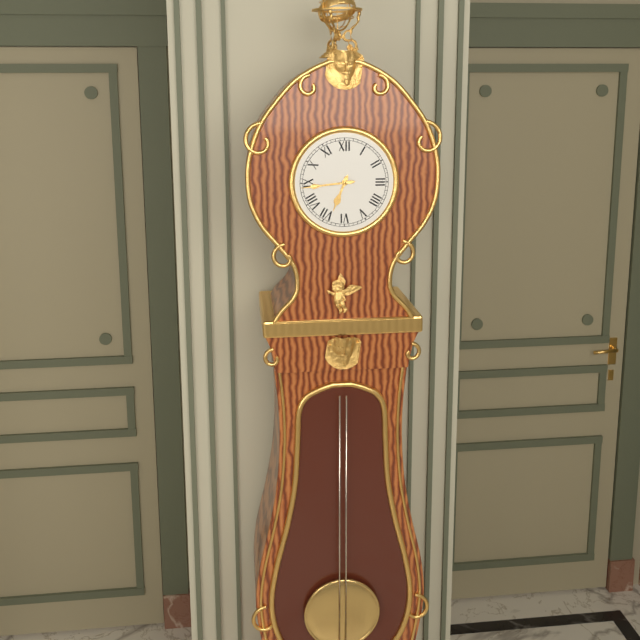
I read 6.44
